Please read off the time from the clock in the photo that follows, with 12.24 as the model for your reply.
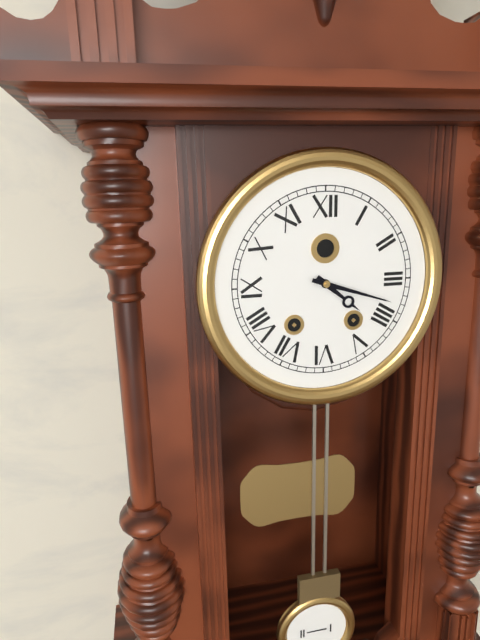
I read 4.18
